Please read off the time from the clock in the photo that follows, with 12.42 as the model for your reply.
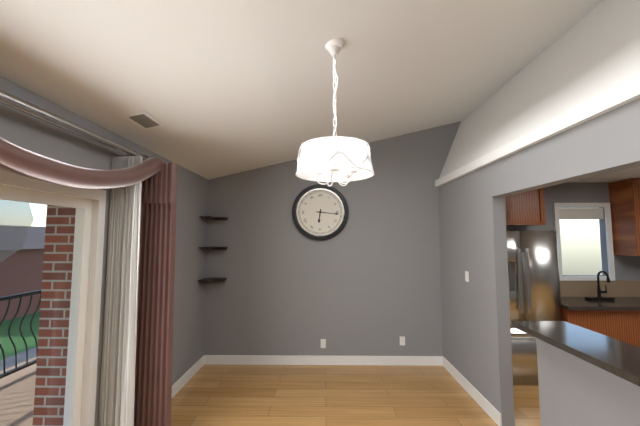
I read 6.16
